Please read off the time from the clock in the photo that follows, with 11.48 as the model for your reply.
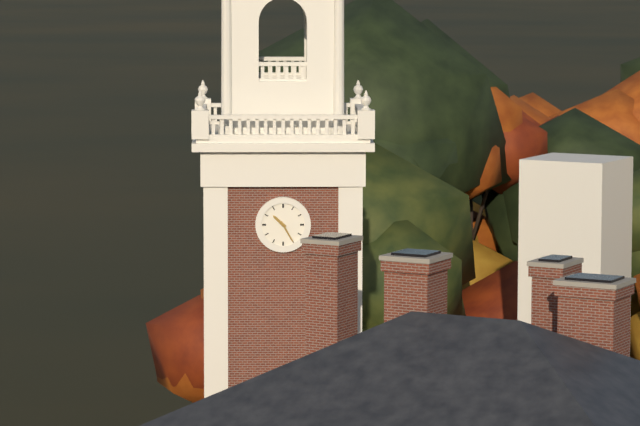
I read 10.25
